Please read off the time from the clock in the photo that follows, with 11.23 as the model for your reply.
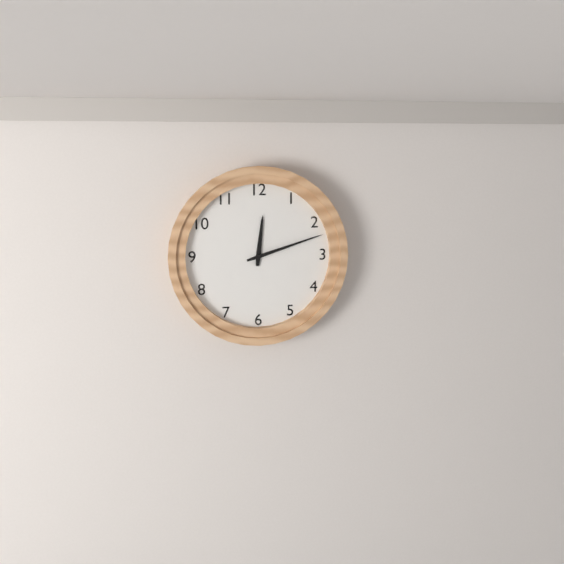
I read 12.12
